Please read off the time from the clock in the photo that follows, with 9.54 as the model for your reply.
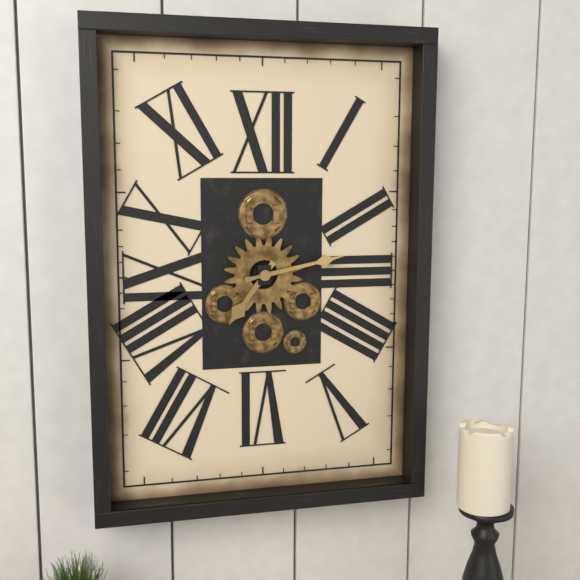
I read 7.13
